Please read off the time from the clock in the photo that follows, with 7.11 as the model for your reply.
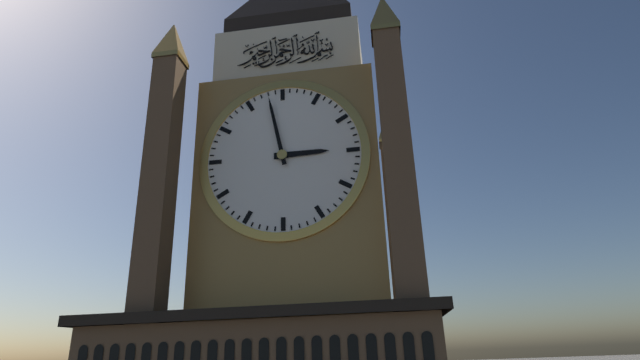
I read 2.58
